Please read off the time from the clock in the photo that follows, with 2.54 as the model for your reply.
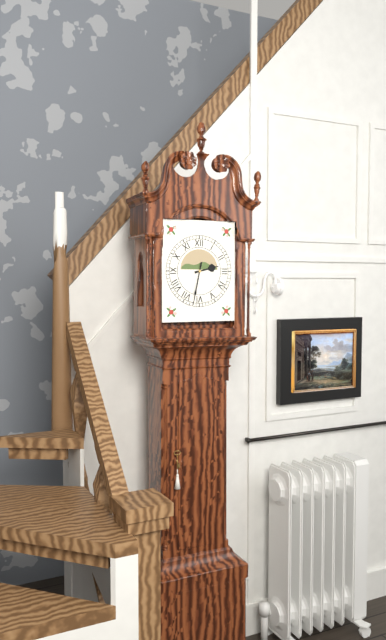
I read 2.32
